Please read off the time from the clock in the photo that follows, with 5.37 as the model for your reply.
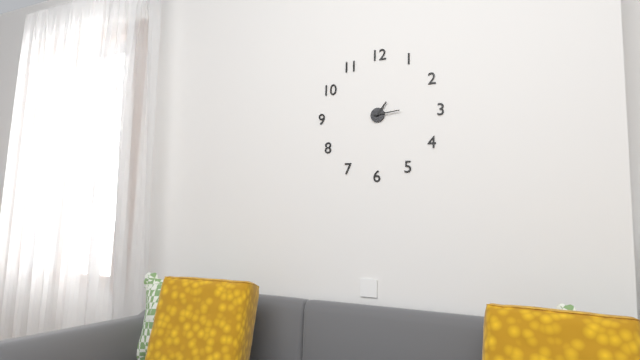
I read 1.14
